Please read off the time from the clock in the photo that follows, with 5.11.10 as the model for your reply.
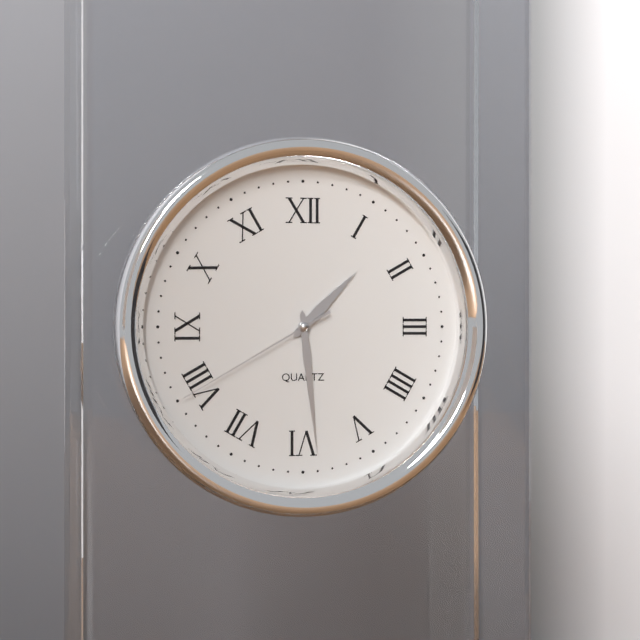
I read 1.29.40
